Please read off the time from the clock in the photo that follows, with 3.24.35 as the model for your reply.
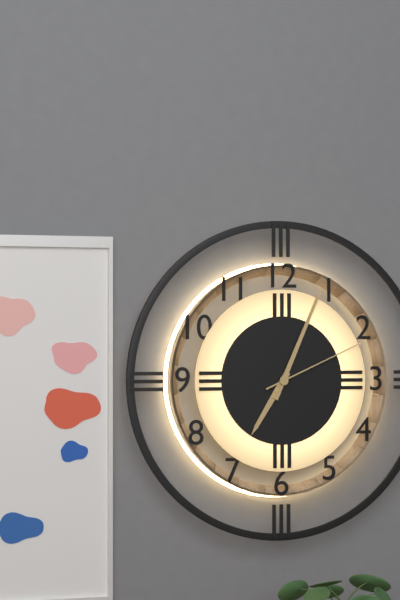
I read 7.04.11
